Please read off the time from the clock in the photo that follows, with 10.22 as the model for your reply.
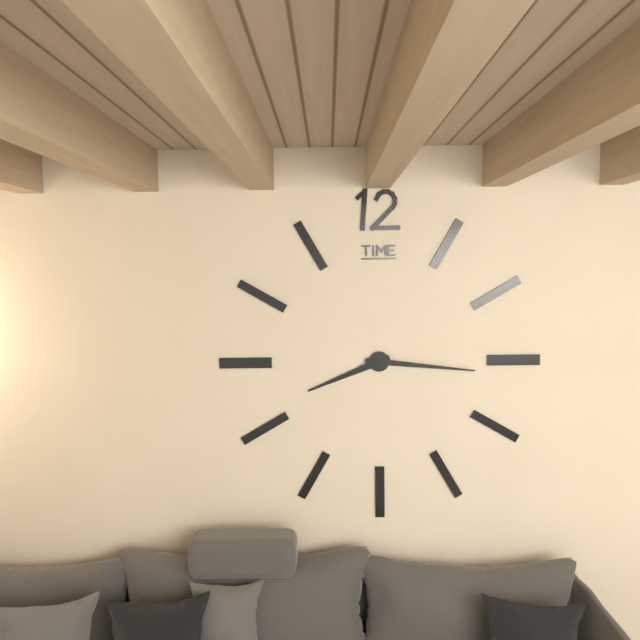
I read 8.16
